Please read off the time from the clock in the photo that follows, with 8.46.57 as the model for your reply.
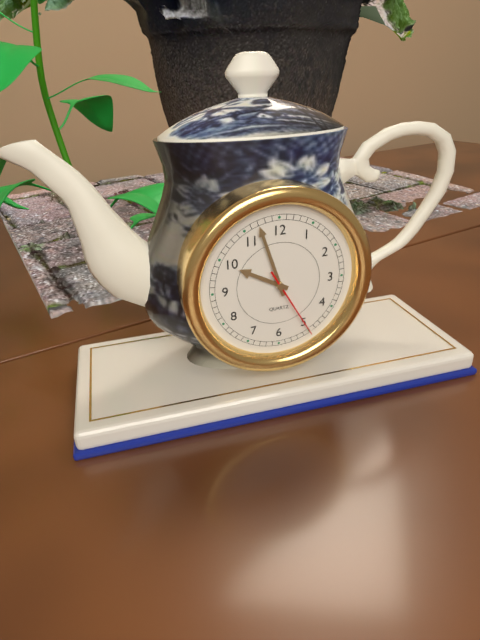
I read 9.57.25
